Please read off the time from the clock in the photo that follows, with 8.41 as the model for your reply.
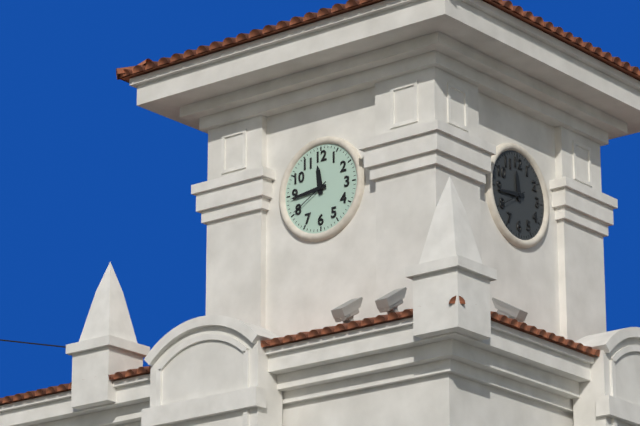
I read 11.44
